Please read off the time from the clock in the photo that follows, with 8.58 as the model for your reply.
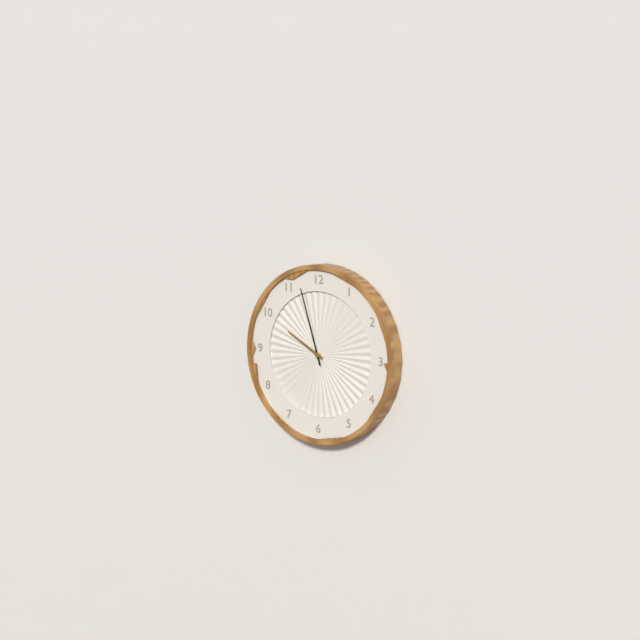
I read 9.57
